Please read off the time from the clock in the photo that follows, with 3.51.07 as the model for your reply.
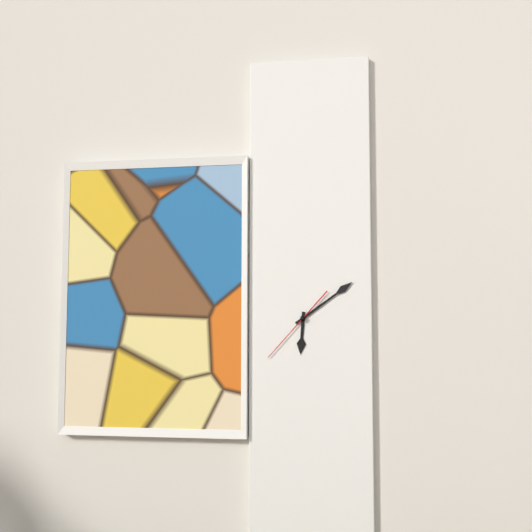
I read 6.09.37
